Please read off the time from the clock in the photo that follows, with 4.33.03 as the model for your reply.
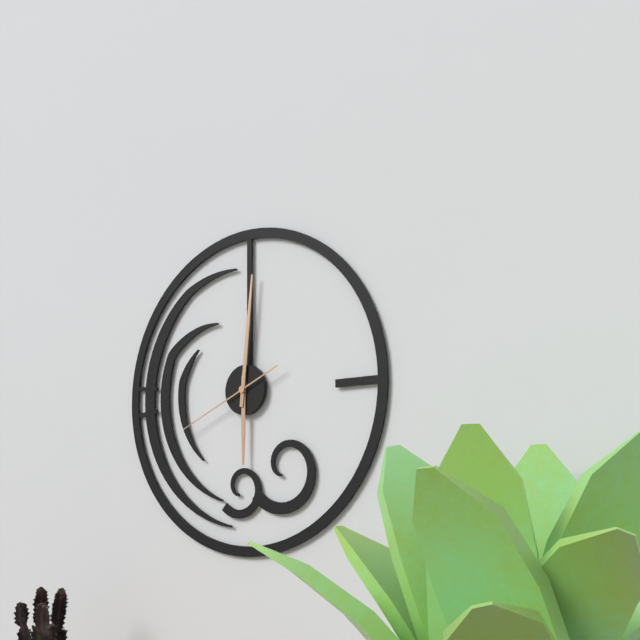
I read 6.01.41
